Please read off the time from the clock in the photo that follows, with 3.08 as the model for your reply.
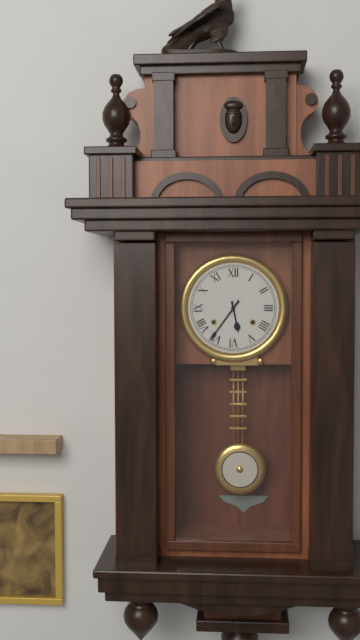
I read 5.36
